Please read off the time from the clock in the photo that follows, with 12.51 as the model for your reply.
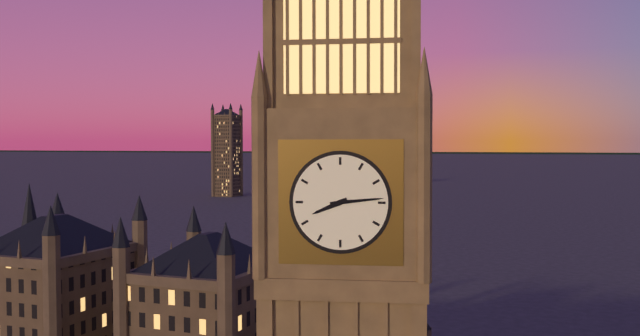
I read 8.14
